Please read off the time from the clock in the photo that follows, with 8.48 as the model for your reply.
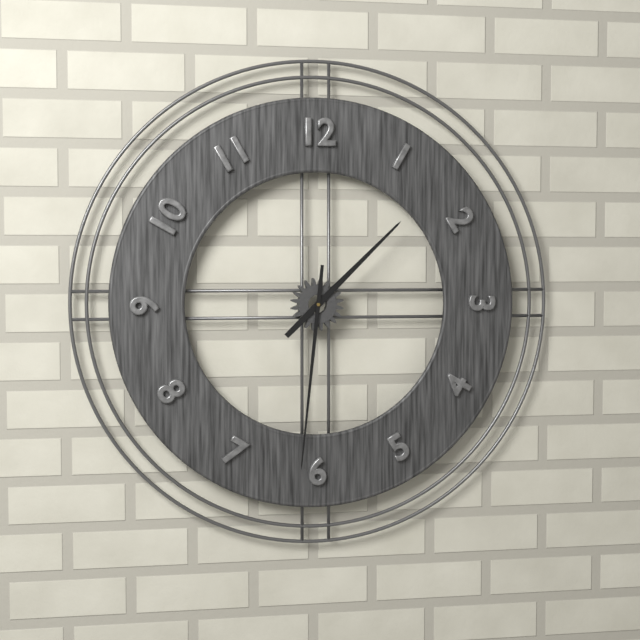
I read 1.31
